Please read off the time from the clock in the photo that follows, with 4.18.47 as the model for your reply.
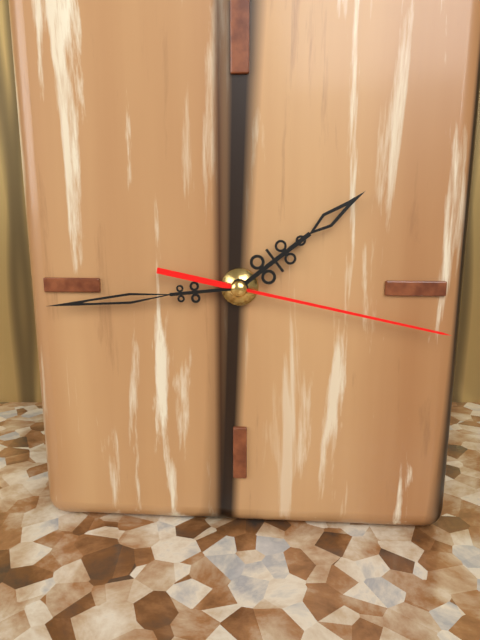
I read 1.44.17
